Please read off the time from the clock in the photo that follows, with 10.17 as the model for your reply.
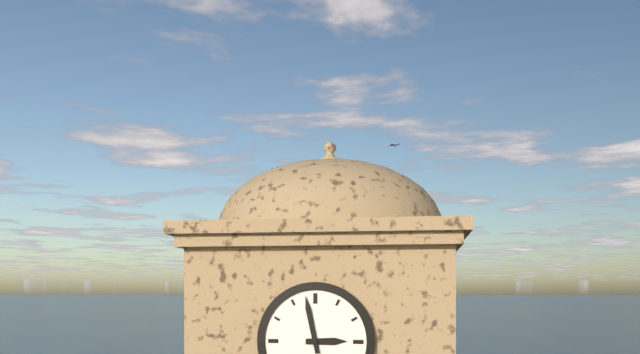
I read 2.58
